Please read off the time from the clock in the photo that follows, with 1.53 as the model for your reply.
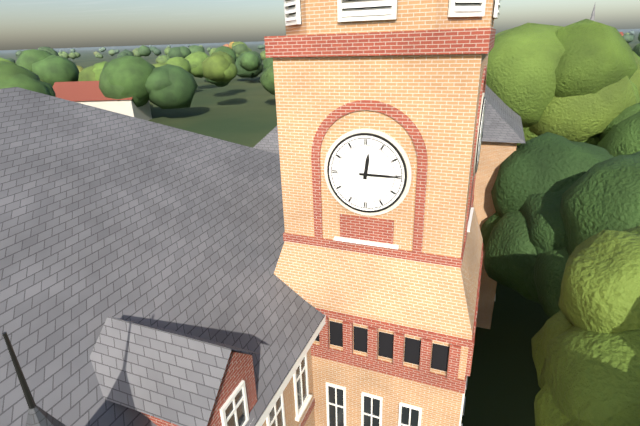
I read 12.15
